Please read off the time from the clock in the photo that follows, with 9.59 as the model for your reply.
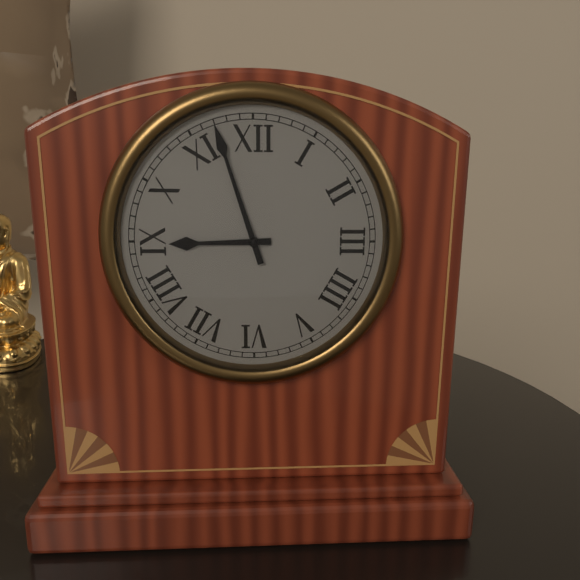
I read 8.57
